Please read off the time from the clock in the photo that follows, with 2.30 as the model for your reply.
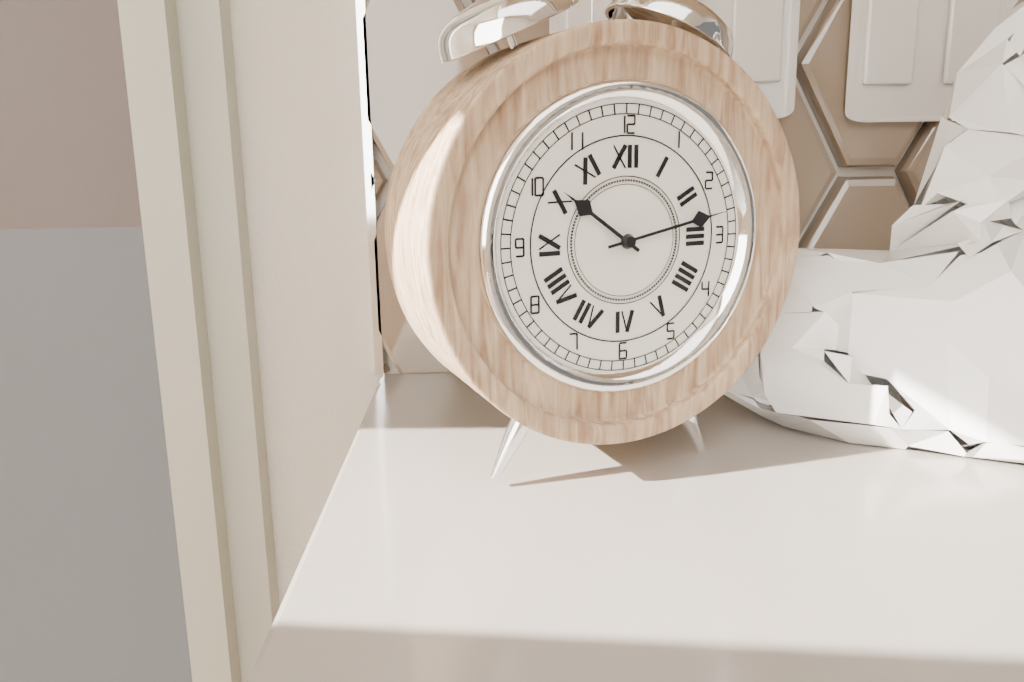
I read 10.13
